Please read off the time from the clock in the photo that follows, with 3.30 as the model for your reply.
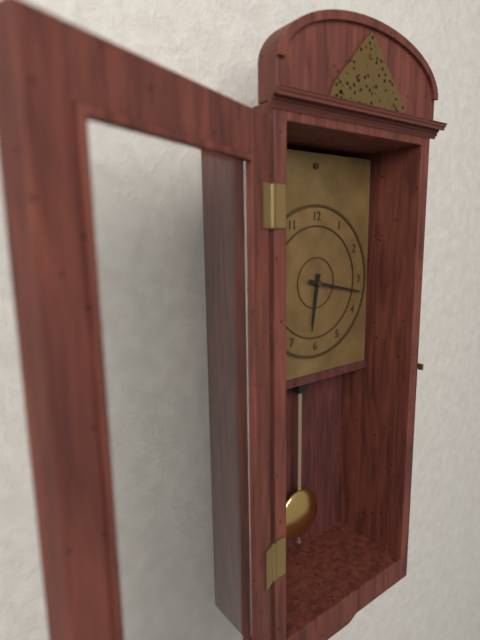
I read 6.17
